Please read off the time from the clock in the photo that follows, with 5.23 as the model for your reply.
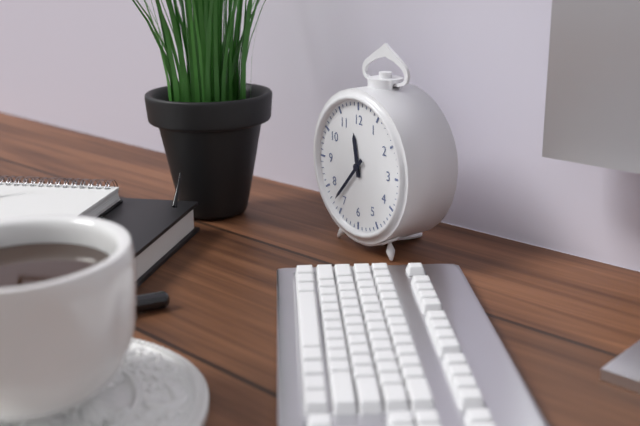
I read 11.37
